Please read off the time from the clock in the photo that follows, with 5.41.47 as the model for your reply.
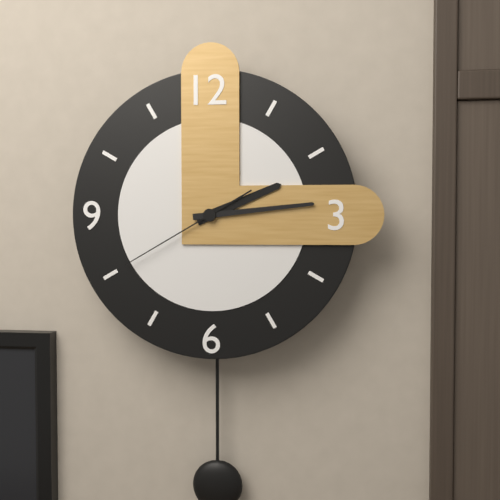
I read 2.14.40
